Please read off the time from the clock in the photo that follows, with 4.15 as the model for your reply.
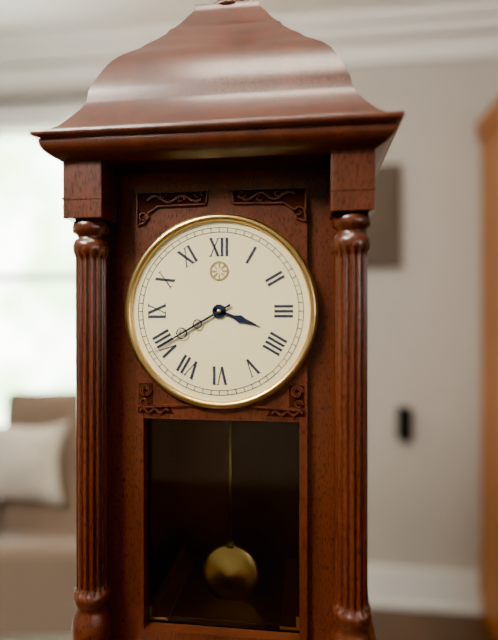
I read 3.40
